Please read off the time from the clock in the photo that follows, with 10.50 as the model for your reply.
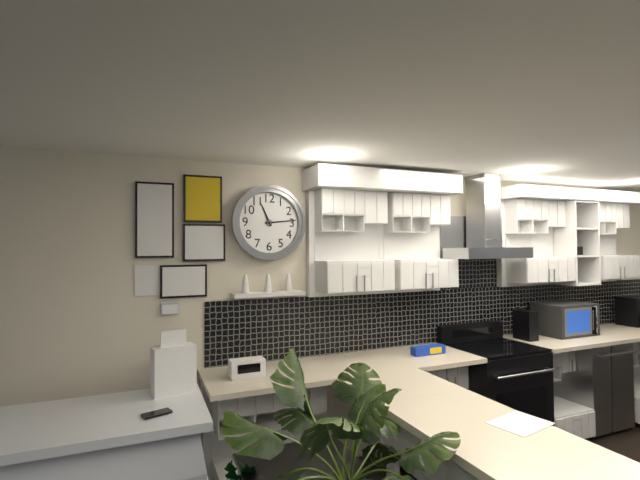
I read 11.14
